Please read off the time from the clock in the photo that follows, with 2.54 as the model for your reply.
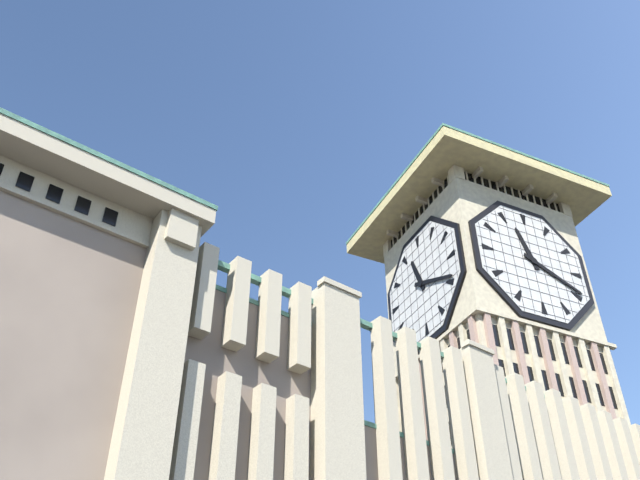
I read 11.19
